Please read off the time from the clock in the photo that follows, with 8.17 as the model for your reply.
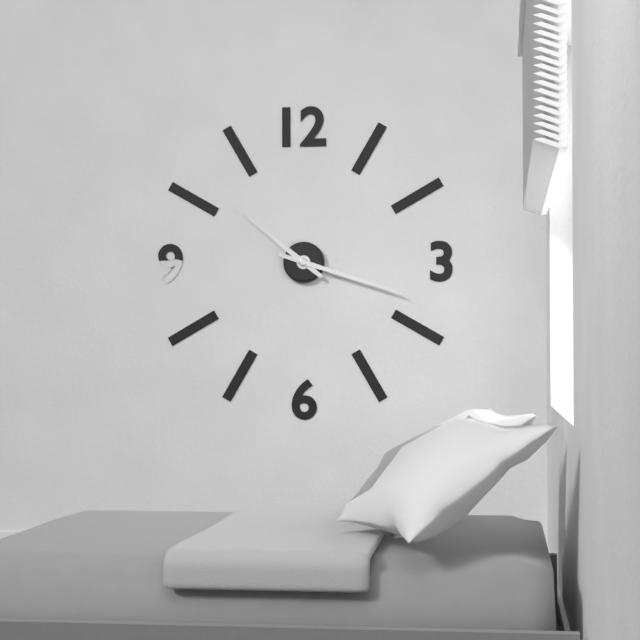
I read 10.18
